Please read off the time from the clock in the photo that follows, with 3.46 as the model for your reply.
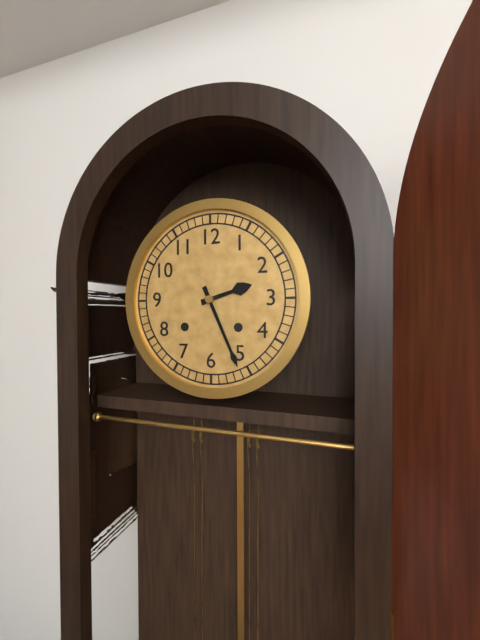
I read 2.26
